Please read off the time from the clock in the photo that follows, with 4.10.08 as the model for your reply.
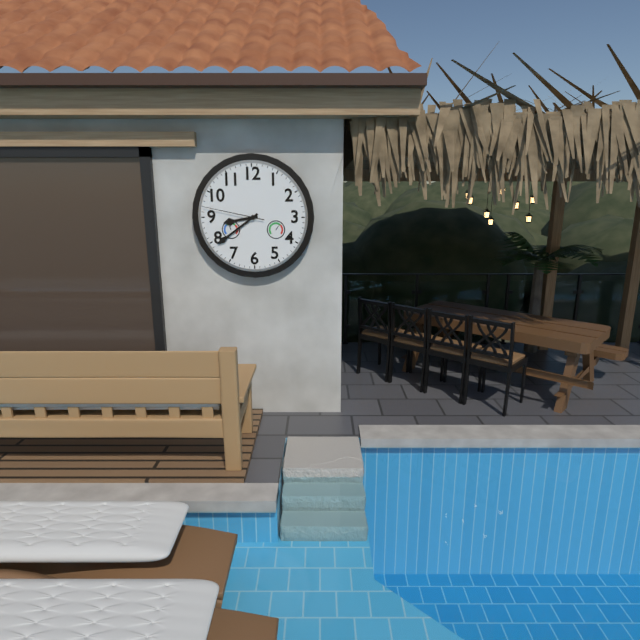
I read 8.39.47
